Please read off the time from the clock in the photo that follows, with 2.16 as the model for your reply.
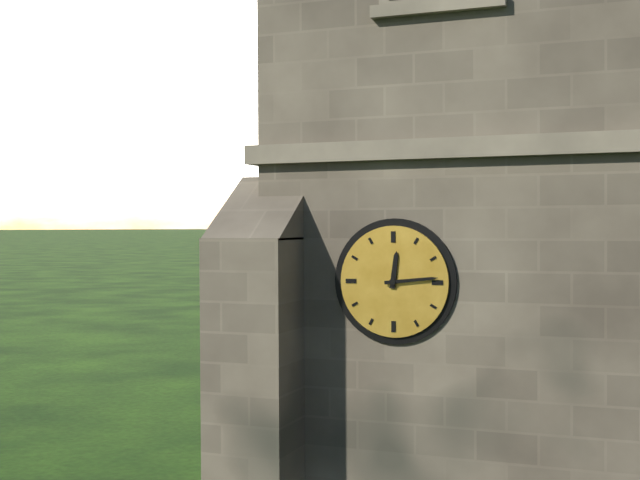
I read 12.14
